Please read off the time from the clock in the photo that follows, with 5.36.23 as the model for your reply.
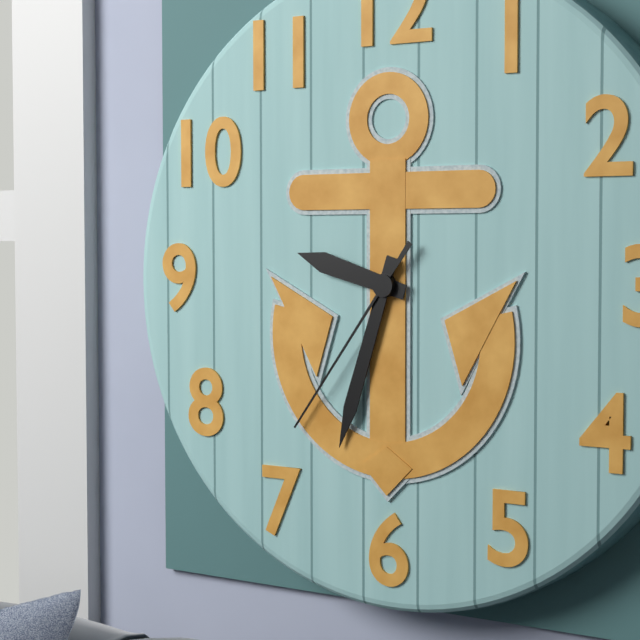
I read 9.33.36
